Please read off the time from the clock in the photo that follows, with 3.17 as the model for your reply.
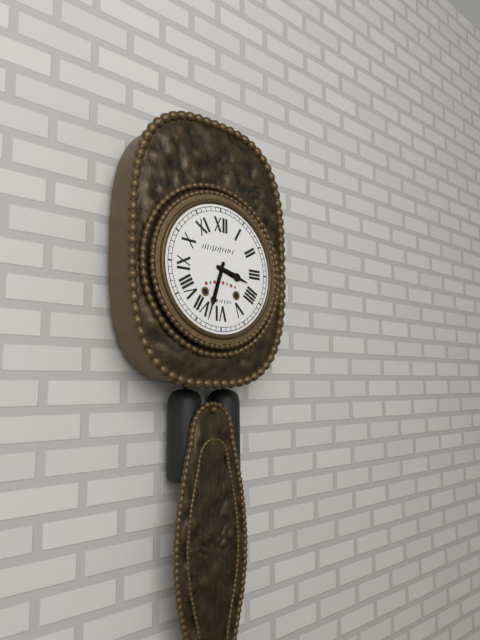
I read 3.33
